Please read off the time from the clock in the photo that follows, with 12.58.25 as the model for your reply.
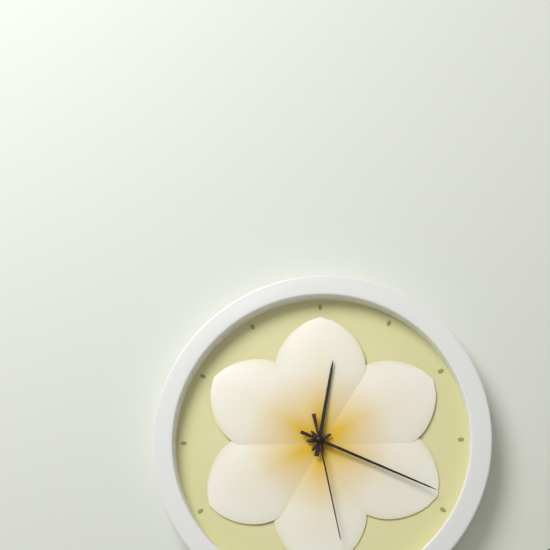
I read 12.19.28
